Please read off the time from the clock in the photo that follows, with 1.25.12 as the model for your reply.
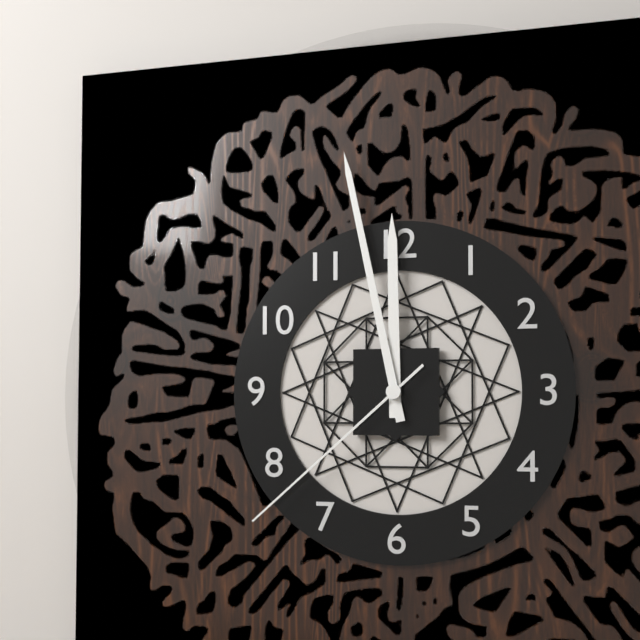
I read 11.58.38
